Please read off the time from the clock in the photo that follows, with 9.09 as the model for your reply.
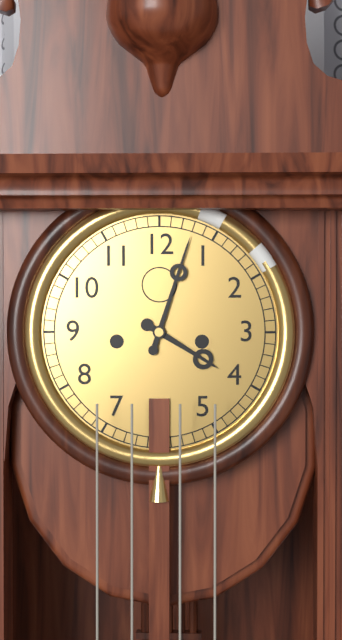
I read 4.03
